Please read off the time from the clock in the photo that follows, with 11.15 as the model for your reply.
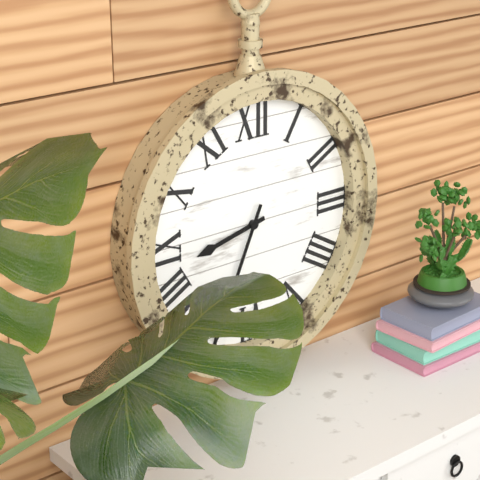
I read 8.34
